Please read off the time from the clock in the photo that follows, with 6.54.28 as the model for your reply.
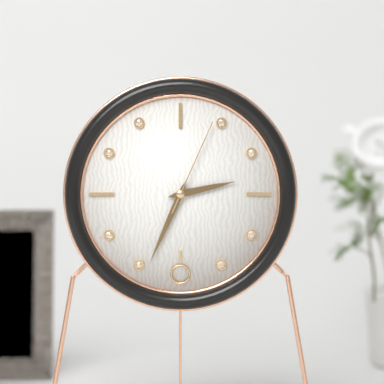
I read 2.34.04
